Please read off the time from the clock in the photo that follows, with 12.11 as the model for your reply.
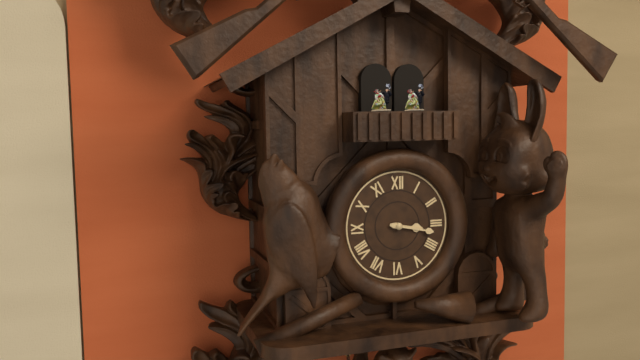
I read 3.17
